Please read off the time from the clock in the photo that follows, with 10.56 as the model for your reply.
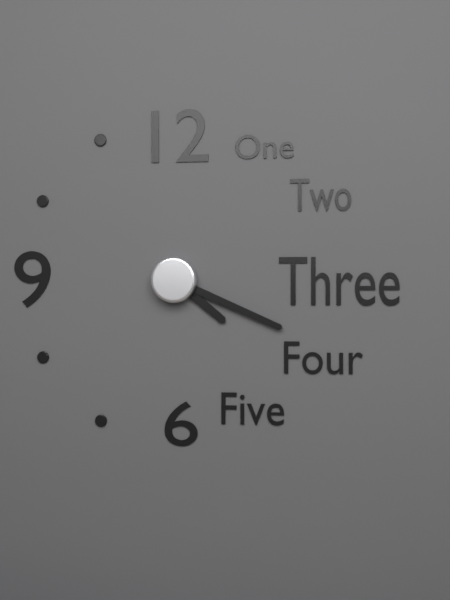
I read 4.19
